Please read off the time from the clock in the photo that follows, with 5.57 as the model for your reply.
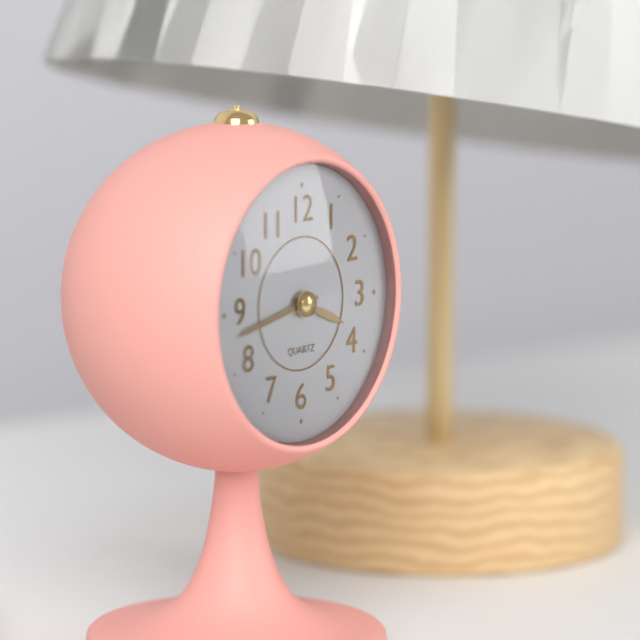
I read 3.43
